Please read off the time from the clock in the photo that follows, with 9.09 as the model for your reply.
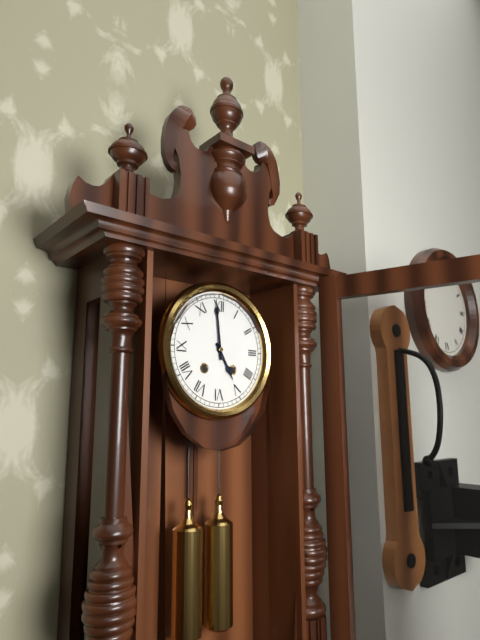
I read 4.59
